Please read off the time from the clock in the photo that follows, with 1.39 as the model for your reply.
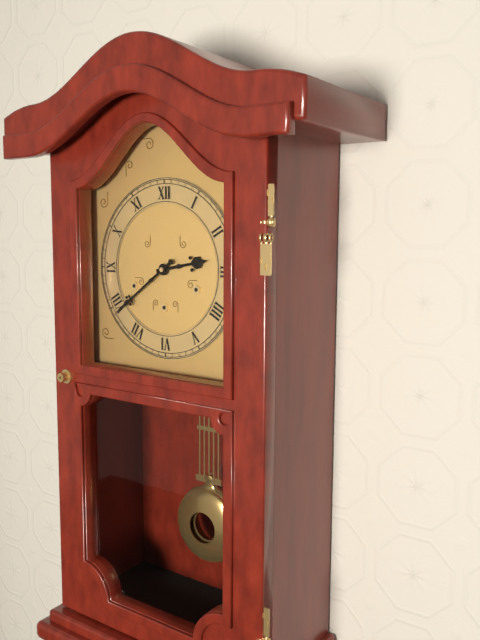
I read 2.39
